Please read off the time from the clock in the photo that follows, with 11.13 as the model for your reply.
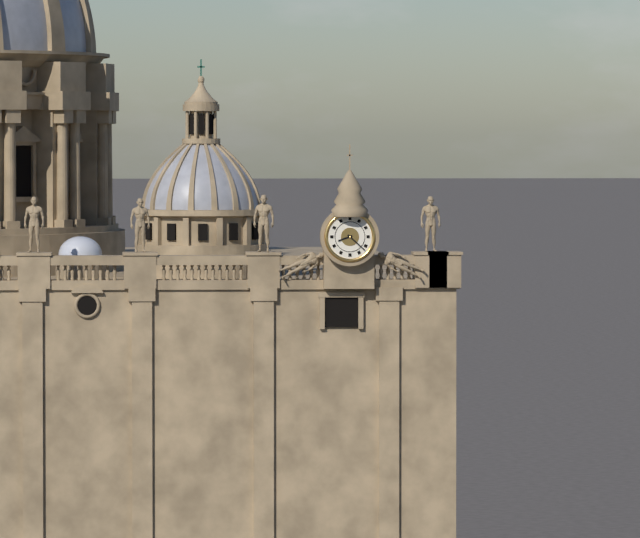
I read 8.22
